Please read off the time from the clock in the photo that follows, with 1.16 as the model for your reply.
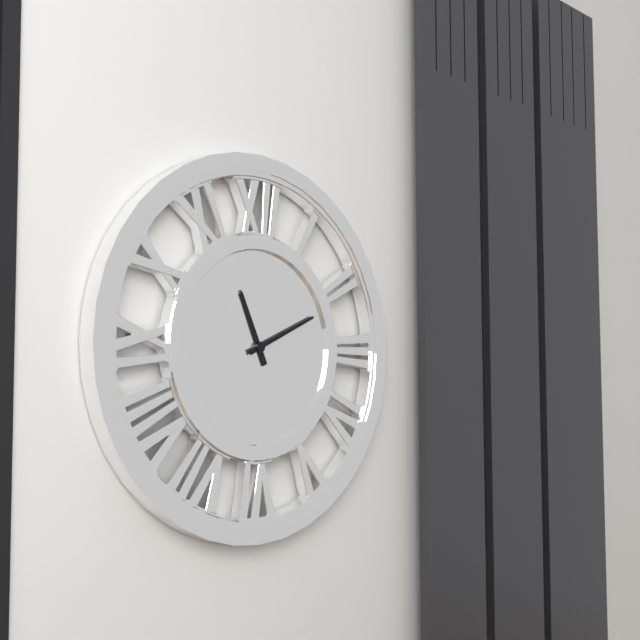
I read 11.11
